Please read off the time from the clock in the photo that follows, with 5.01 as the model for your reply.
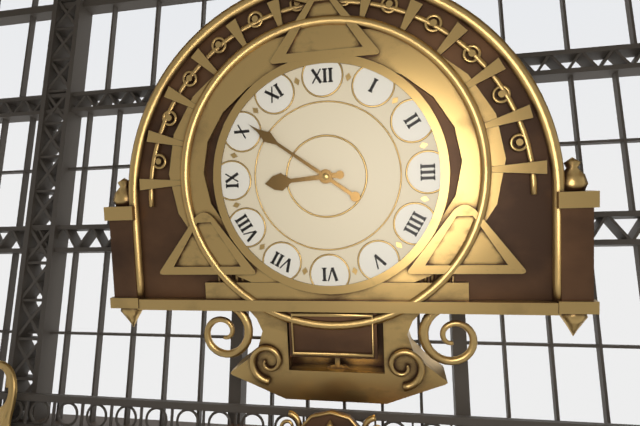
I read 8.51
